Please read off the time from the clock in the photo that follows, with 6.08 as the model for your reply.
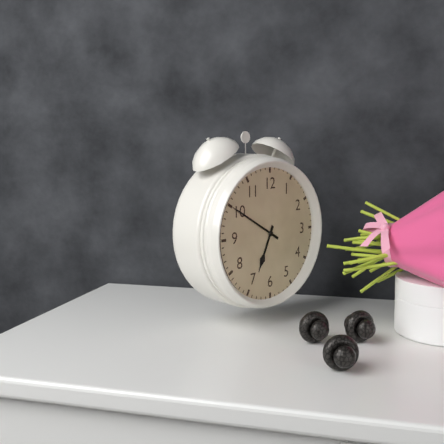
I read 6.50
